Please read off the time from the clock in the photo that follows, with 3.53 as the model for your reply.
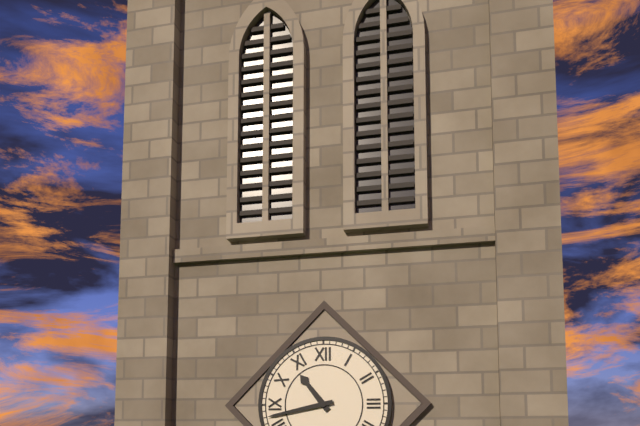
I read 10.43
